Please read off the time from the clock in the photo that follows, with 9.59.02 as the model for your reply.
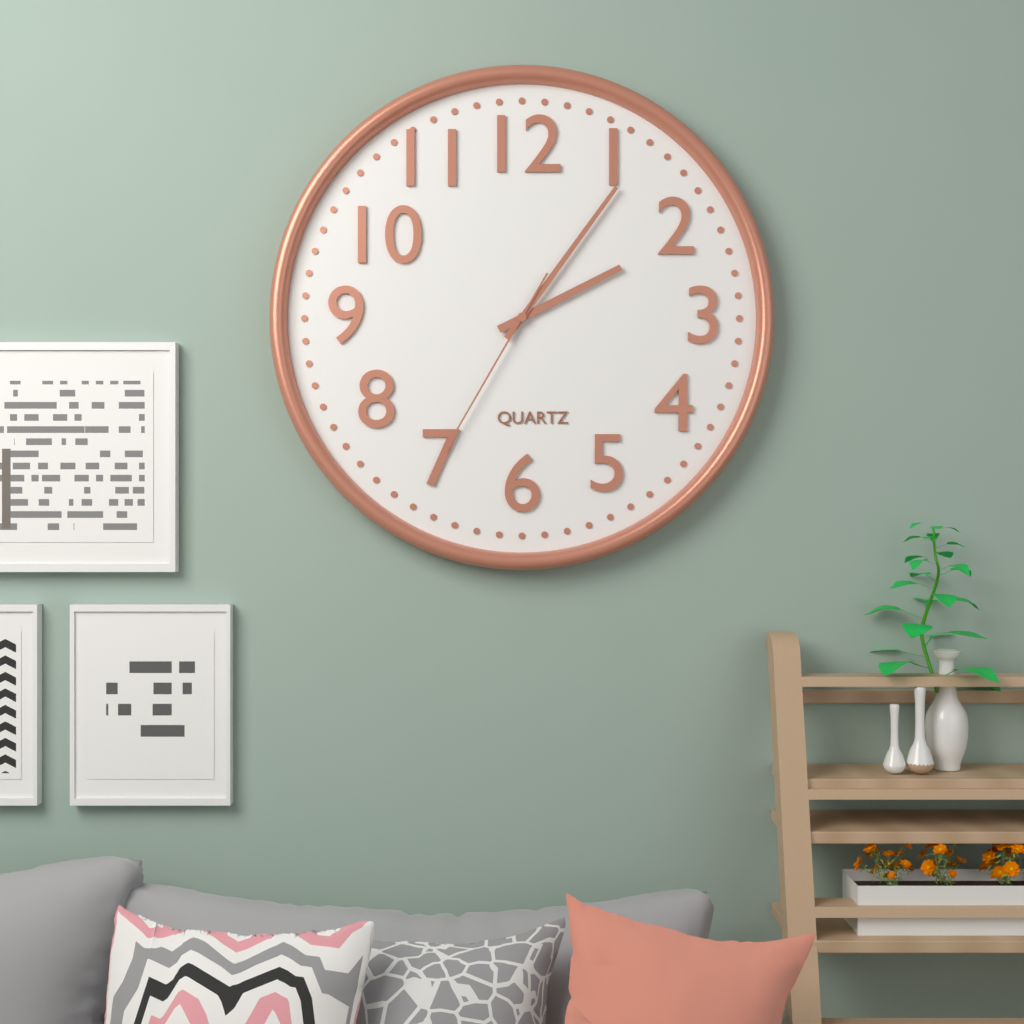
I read 2.06.35
